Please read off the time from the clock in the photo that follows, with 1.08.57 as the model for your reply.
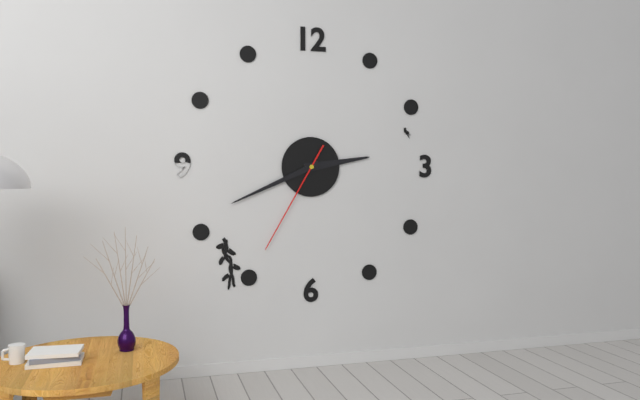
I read 2.41.35
